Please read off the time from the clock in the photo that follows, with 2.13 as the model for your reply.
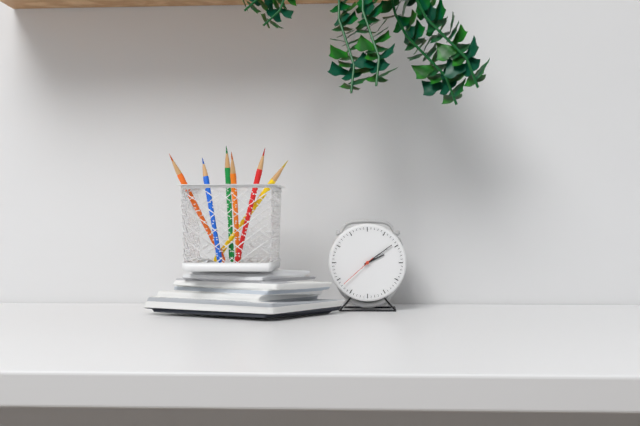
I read 2.09
